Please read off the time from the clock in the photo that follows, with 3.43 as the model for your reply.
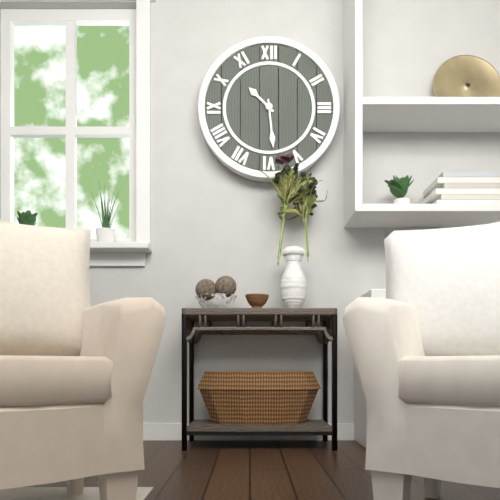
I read 10.29
